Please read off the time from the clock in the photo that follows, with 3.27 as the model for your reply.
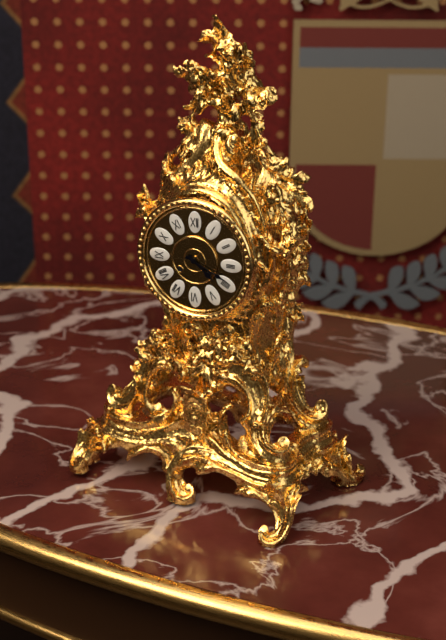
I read 4.19
